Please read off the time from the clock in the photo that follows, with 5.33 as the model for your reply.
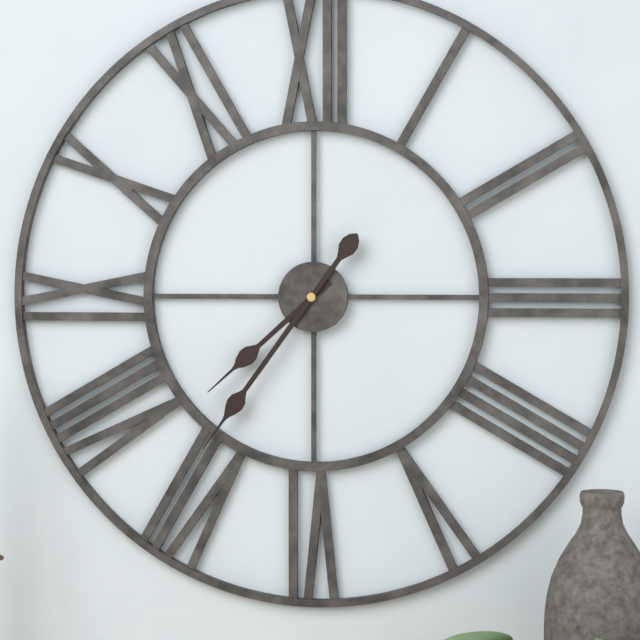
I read 7.36
